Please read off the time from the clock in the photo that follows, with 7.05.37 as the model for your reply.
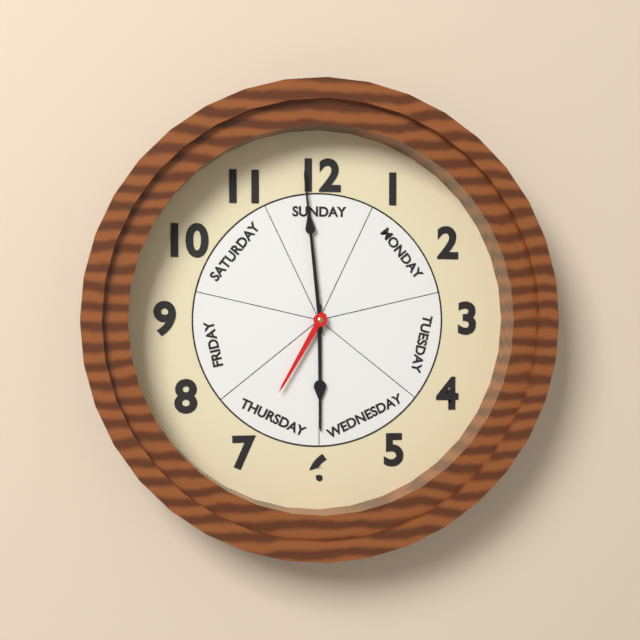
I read 5.59.35
